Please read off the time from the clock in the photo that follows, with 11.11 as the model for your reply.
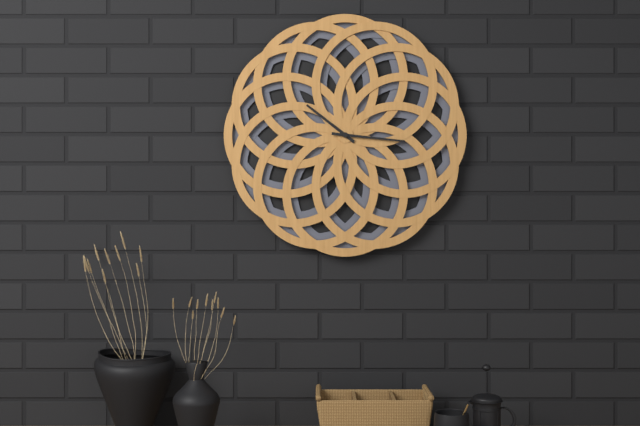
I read 10.16
